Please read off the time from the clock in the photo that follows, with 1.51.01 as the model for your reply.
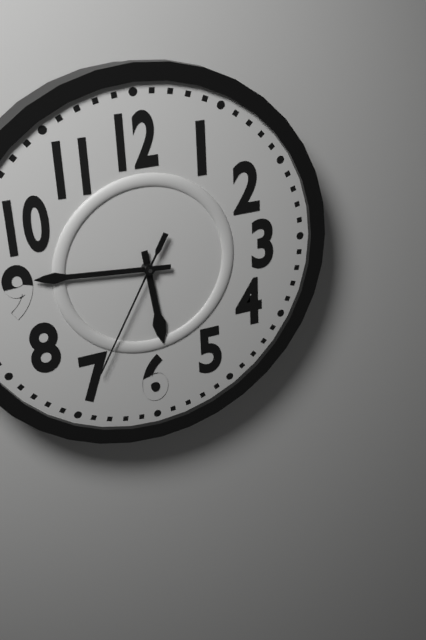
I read 5.46.35
